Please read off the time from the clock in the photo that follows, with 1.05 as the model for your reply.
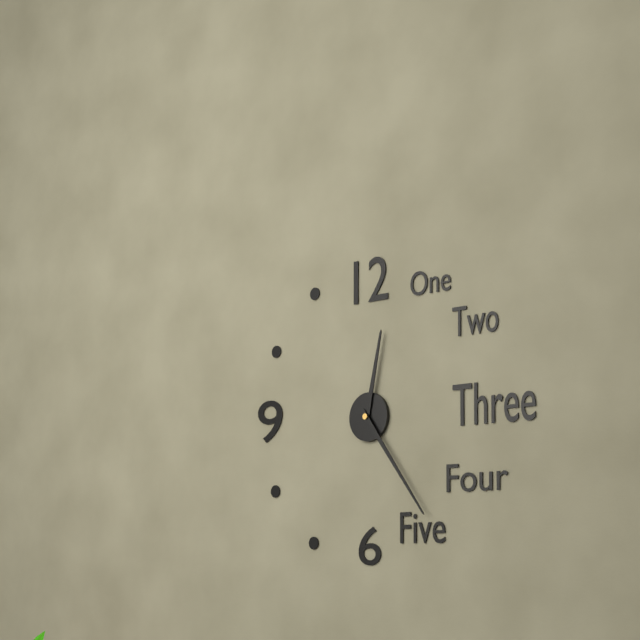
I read 12.24
